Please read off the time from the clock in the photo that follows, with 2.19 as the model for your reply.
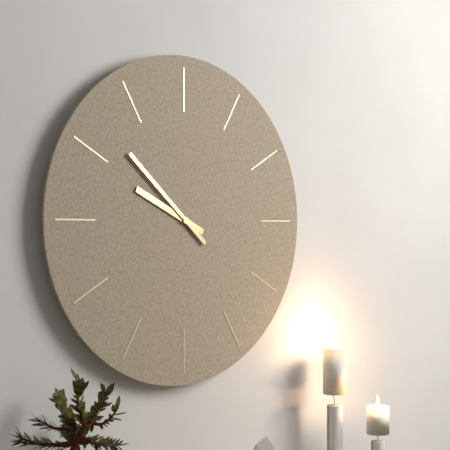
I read 9.52
